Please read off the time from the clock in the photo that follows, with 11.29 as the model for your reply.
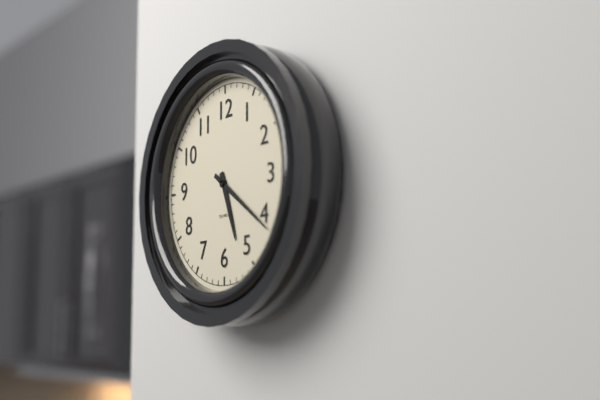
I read 5.21
